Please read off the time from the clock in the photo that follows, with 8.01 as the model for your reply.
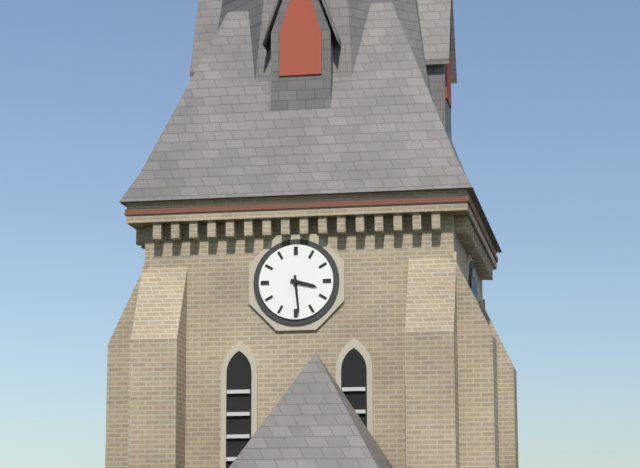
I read 3.29
